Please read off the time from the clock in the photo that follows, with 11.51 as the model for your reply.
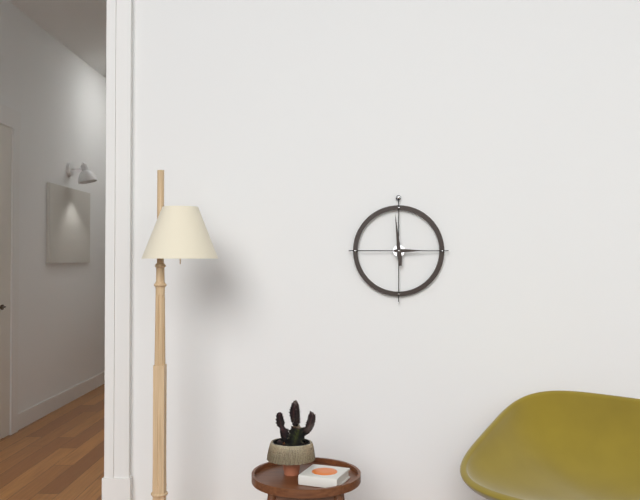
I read 2.59
